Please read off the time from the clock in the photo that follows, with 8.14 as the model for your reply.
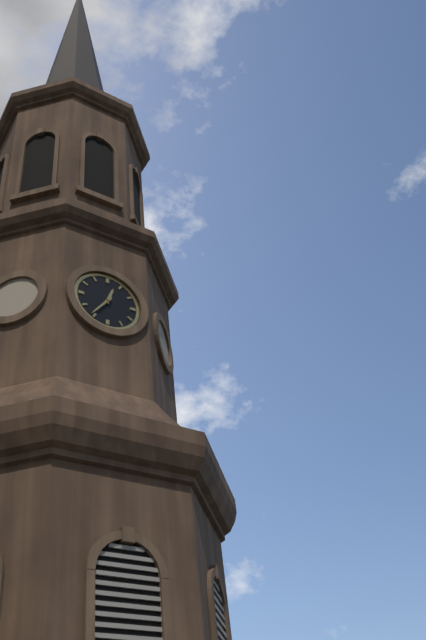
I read 12.36
